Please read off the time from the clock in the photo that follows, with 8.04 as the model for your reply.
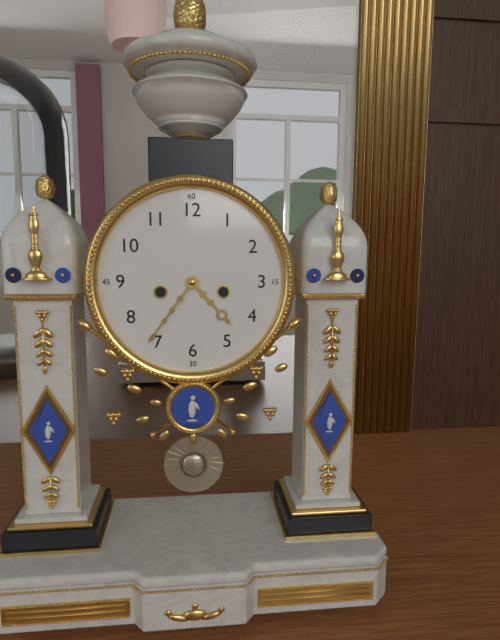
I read 4.36
